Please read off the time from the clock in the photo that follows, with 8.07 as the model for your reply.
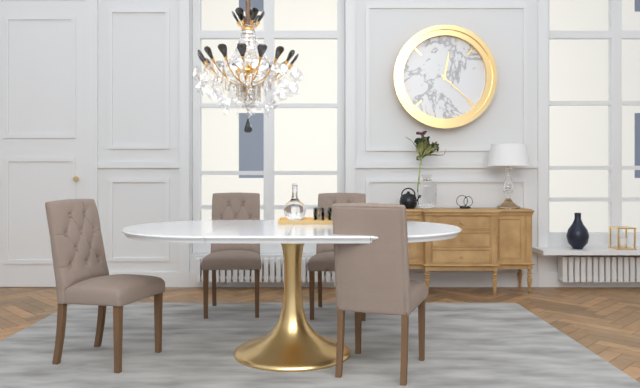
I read 12.22
